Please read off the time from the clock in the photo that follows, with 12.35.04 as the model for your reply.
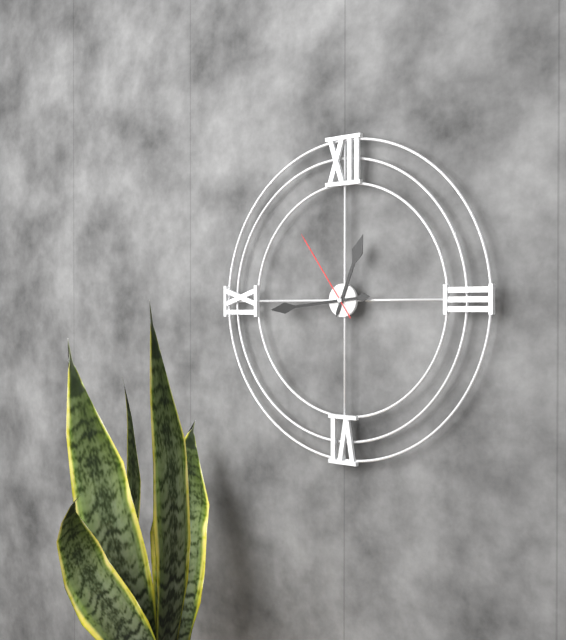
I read 12.44.54
